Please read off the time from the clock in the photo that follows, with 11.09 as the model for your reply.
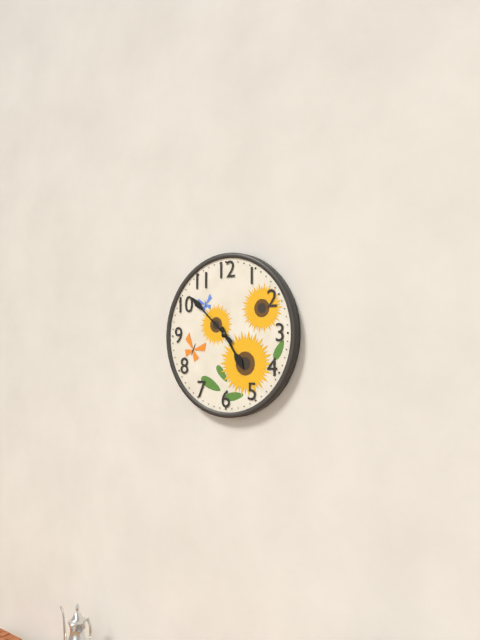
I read 4.52
